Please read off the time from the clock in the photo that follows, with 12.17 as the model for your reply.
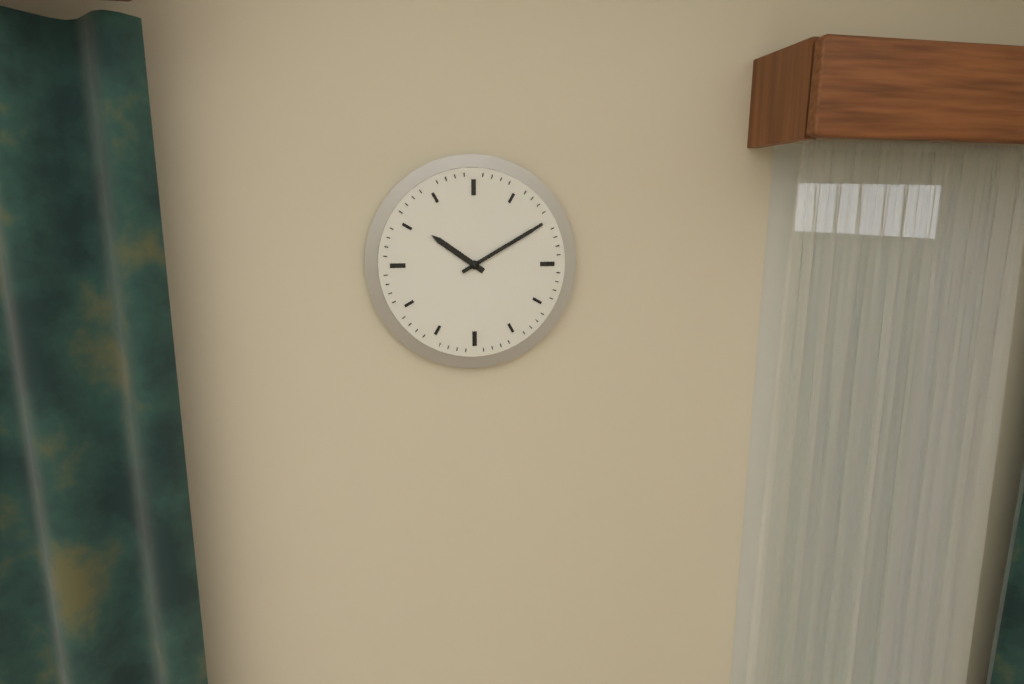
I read 10.10
